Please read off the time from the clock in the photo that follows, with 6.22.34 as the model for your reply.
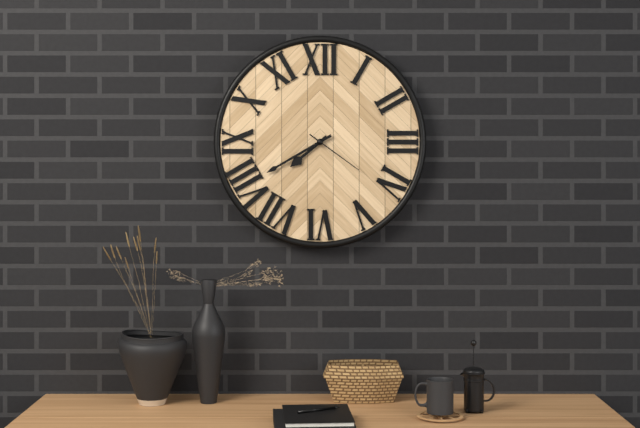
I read 7.40.21
